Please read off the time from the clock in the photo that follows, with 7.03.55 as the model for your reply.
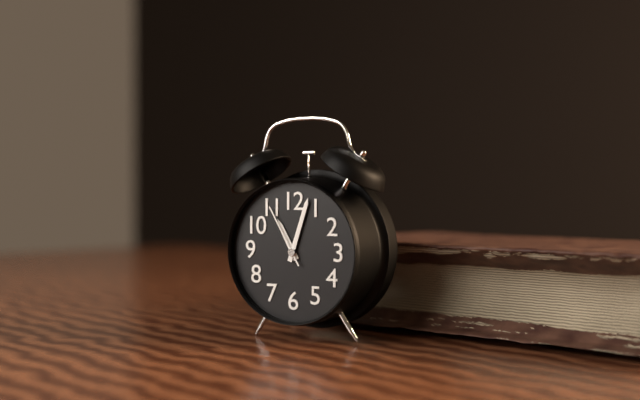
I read 11.03.55
